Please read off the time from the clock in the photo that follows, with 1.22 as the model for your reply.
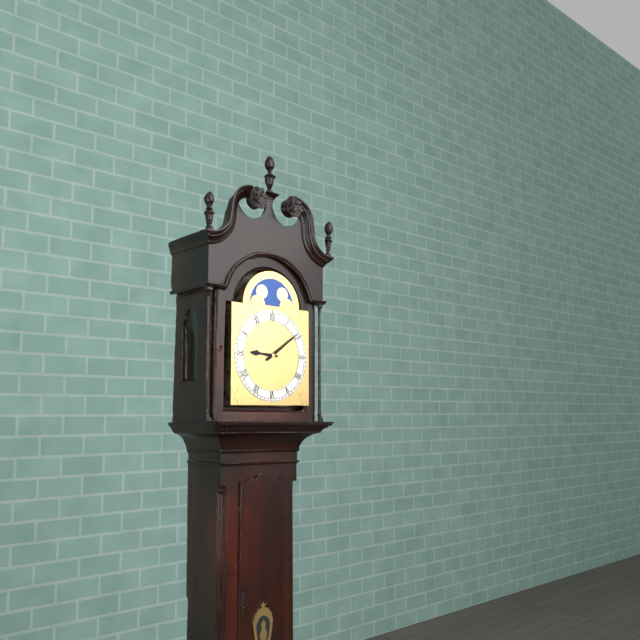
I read 9.09
